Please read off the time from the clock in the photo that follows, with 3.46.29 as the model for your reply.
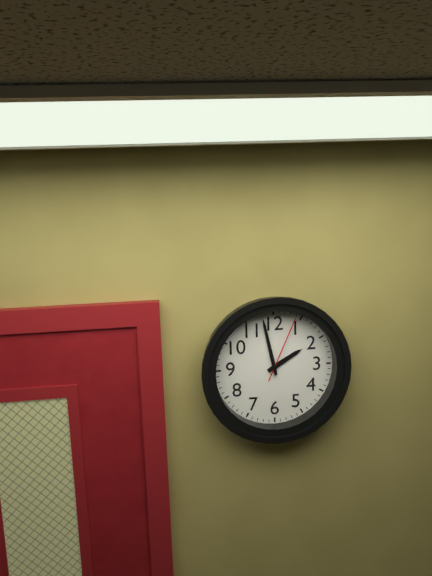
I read 1.58.04
